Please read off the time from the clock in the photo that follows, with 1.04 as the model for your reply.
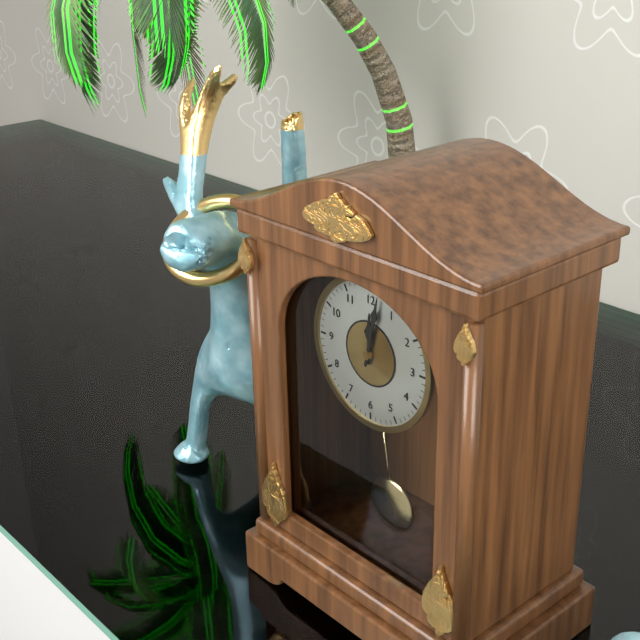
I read 12.02
